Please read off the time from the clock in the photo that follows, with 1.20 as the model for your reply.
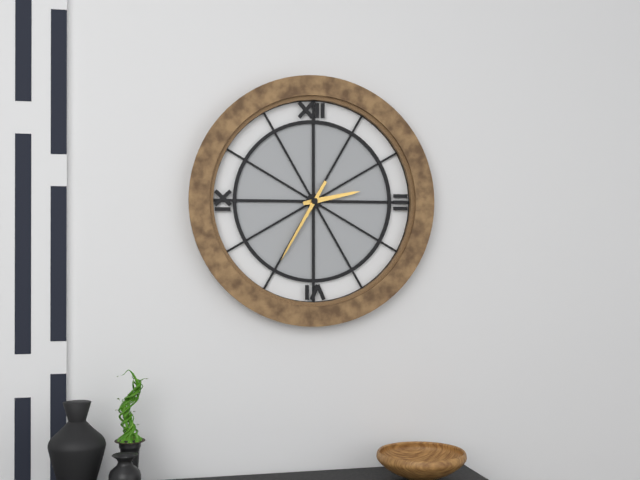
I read 2.35
